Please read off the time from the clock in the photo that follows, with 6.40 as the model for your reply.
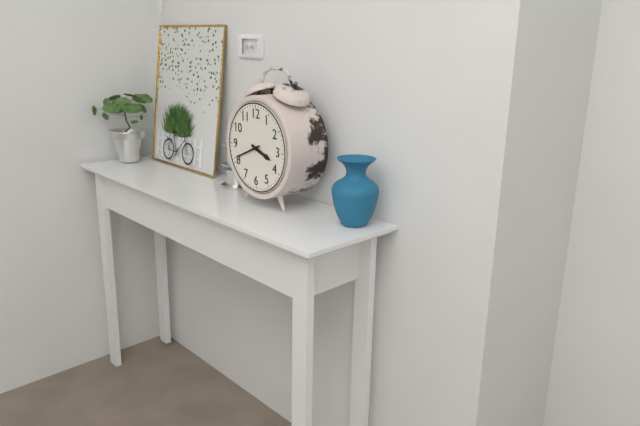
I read 3.41
